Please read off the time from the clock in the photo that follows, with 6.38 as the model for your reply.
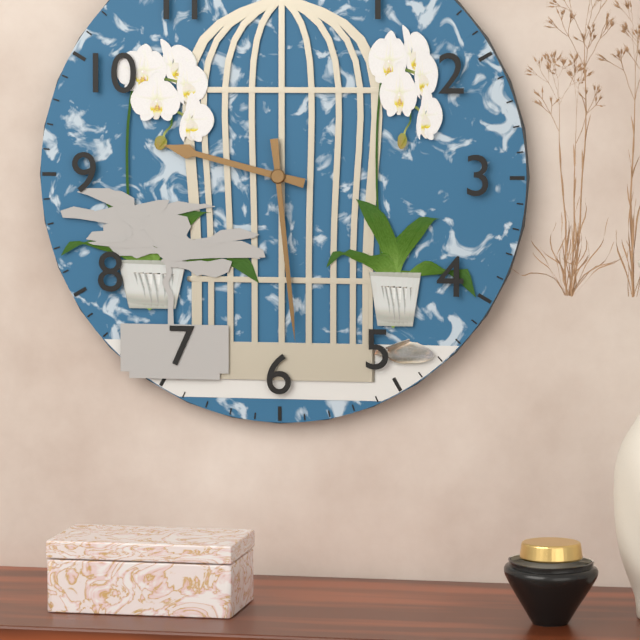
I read 9.29
